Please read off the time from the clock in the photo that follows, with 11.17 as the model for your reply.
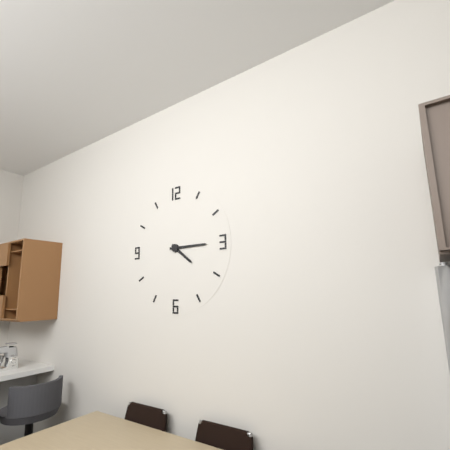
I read 4.15
